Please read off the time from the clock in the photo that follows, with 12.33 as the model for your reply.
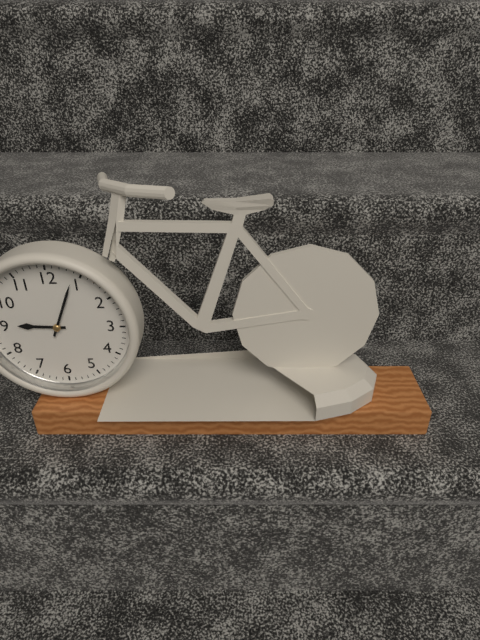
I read 9.04
